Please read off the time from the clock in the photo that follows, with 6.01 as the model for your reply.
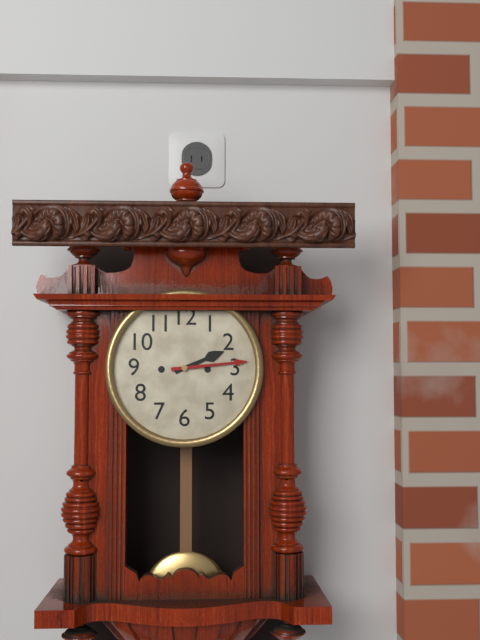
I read 2.14
